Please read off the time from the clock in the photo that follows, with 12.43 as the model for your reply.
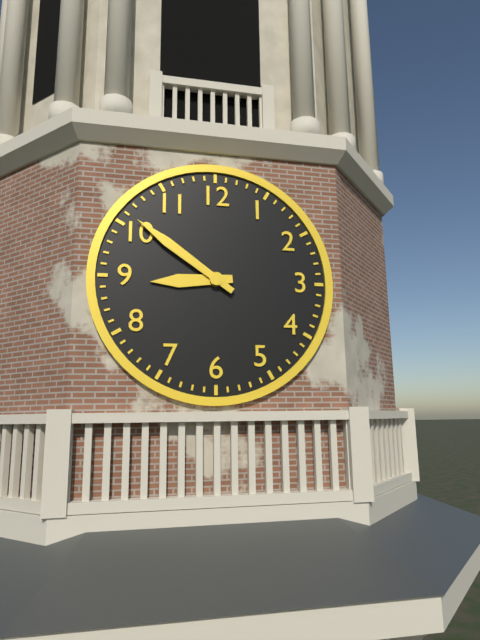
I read 8.51
